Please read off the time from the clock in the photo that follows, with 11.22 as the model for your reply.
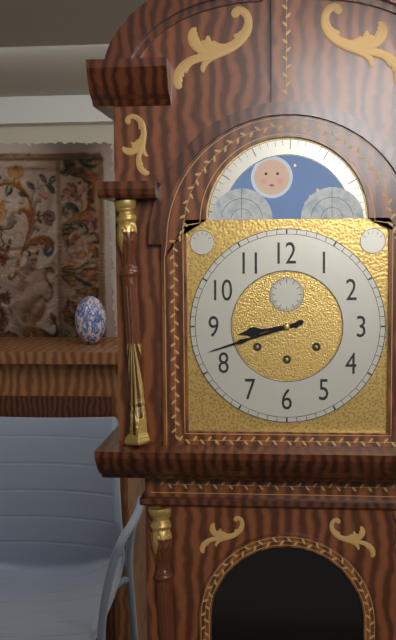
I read 8.42
